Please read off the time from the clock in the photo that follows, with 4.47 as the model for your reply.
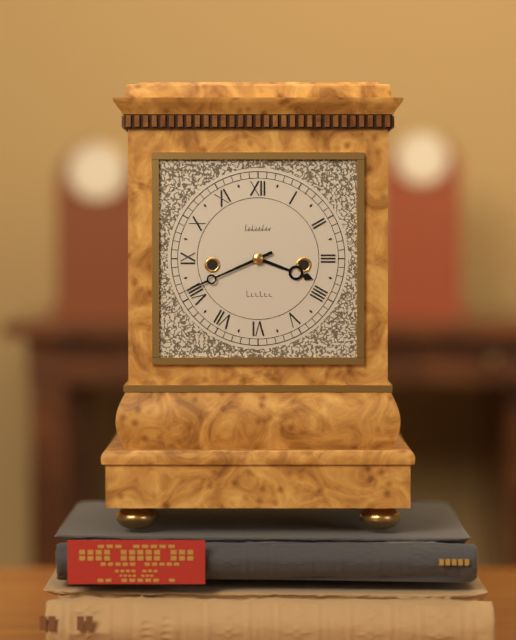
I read 3.41
